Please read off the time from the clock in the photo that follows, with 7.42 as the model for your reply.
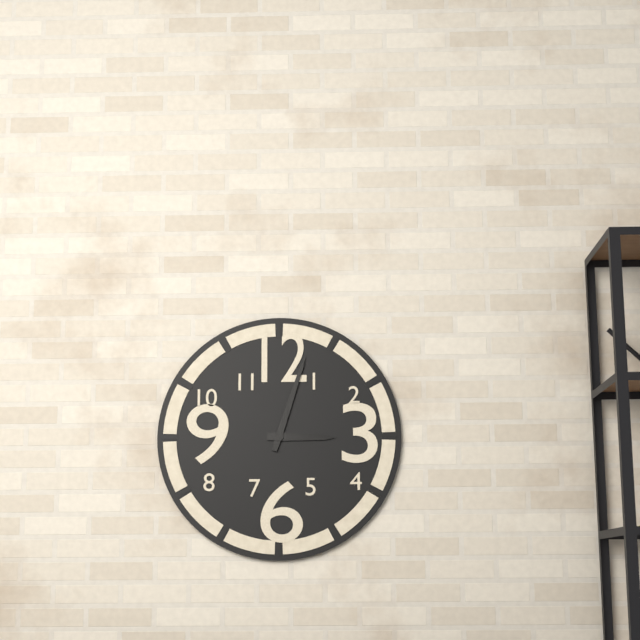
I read 3.03
